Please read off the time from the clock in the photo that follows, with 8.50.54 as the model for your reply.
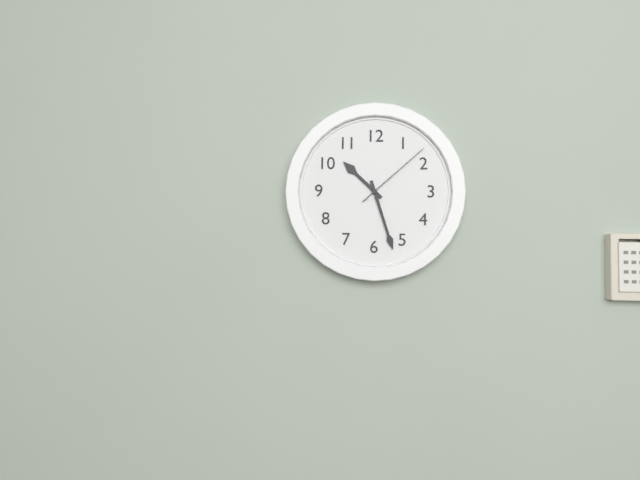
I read 10.27.08
